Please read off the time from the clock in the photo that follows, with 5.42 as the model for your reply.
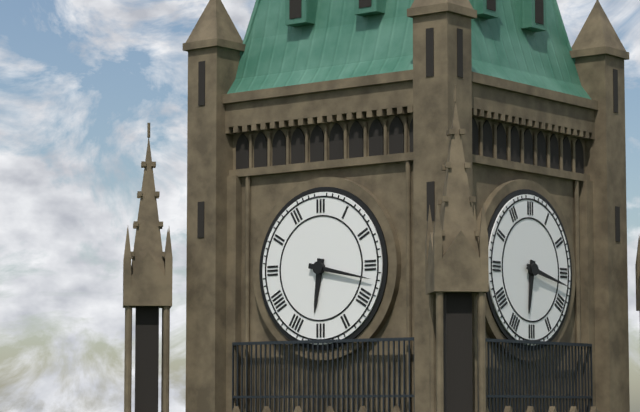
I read 6.17
